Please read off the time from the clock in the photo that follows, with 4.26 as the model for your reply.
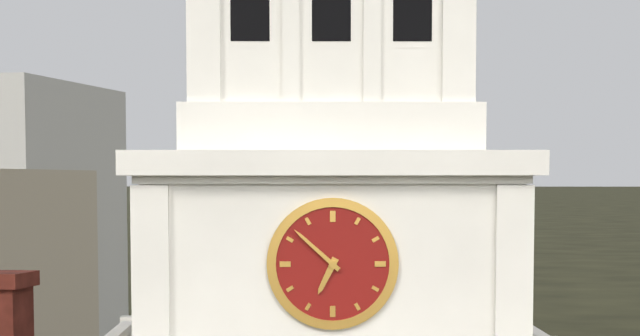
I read 6.52
